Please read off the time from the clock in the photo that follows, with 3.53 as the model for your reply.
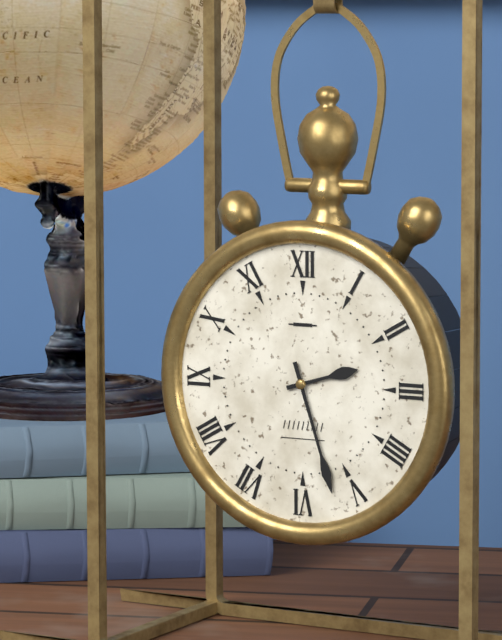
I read 2.27
